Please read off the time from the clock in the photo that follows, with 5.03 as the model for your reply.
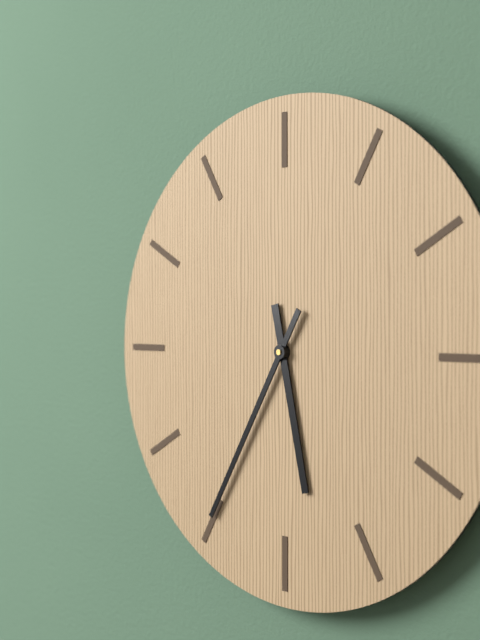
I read 5.35
